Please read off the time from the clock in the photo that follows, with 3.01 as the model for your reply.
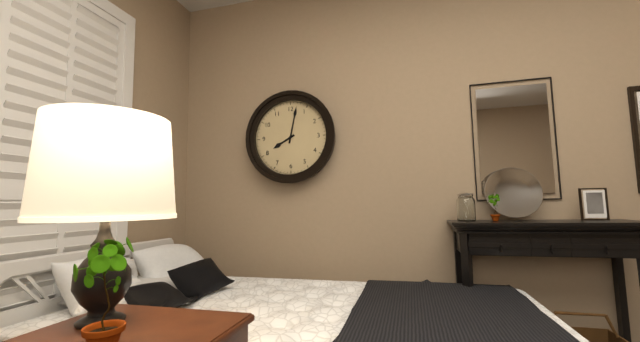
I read 8.02
